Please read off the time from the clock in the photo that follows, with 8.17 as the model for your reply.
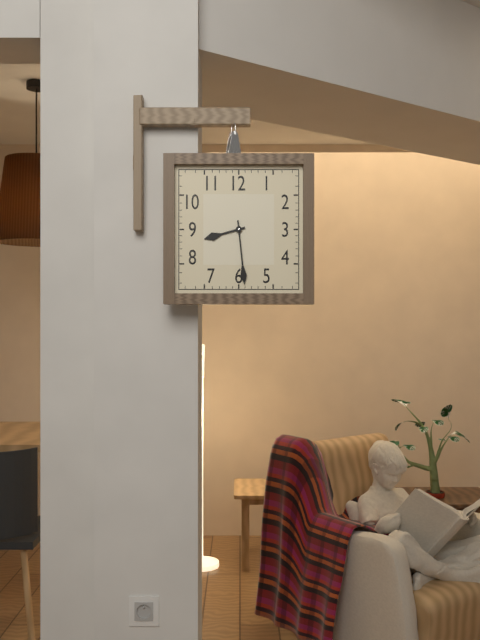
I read 8.29
